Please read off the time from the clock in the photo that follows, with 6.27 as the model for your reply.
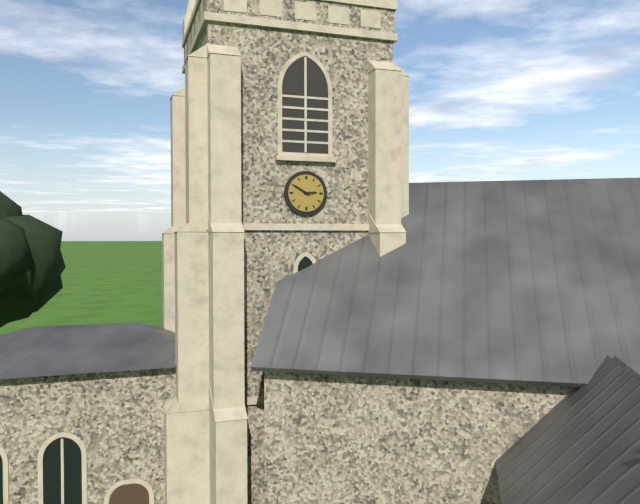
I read 2.50
